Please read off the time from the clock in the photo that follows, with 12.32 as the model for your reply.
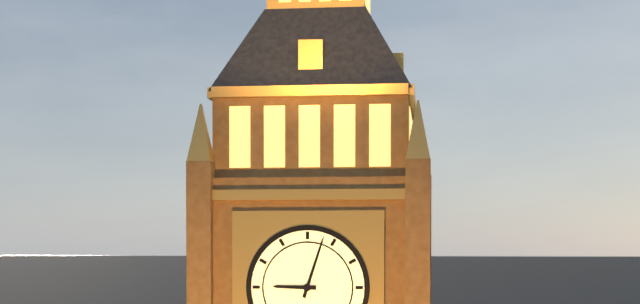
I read 9.03
